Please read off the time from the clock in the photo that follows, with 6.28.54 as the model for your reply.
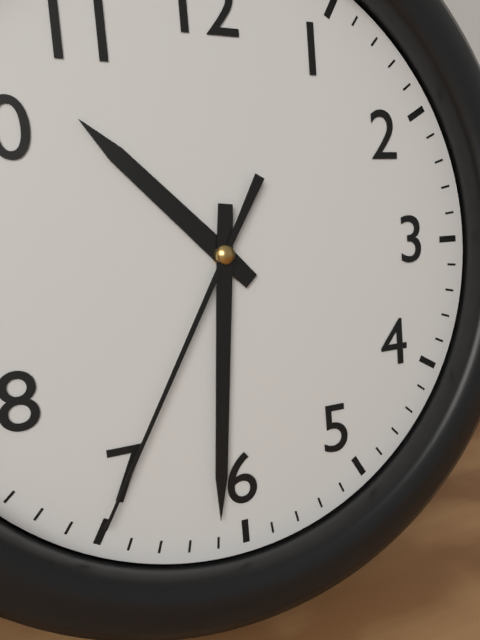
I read 10.31.35
